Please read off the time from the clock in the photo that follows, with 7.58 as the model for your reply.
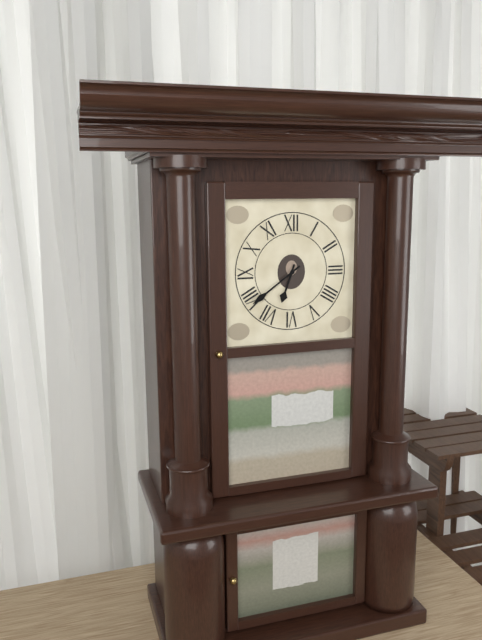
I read 6.39
